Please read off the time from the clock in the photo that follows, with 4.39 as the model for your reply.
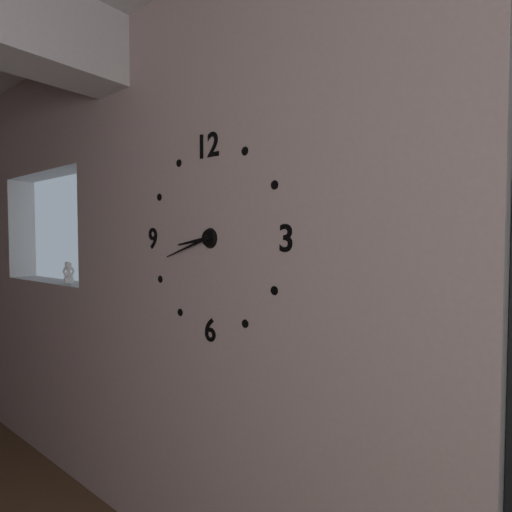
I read 8.42
